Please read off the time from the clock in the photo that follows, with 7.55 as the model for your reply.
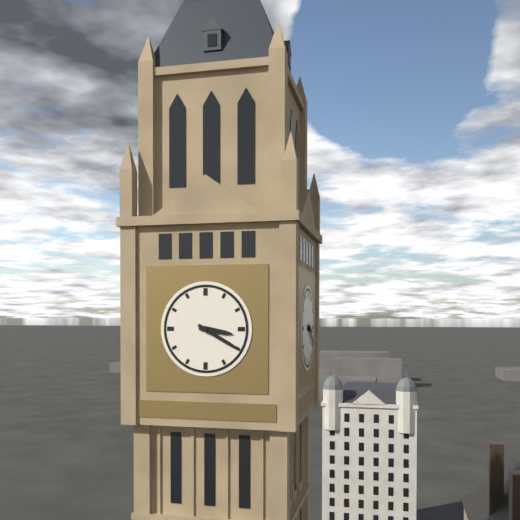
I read 3.20
